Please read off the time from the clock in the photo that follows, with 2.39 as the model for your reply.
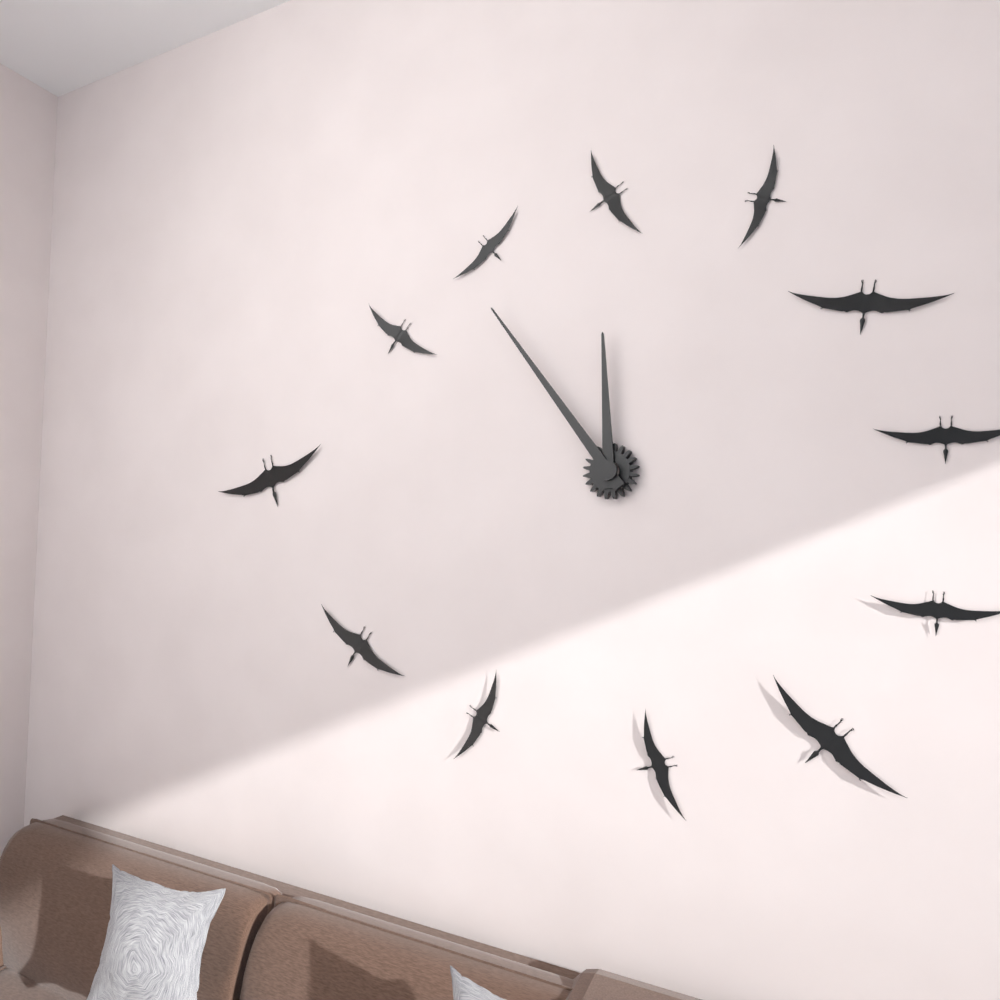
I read 11.54
